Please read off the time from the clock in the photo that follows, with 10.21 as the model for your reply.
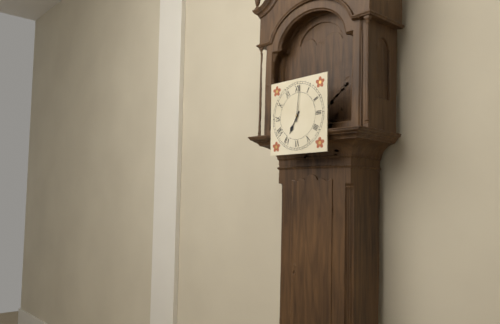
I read 7.01
